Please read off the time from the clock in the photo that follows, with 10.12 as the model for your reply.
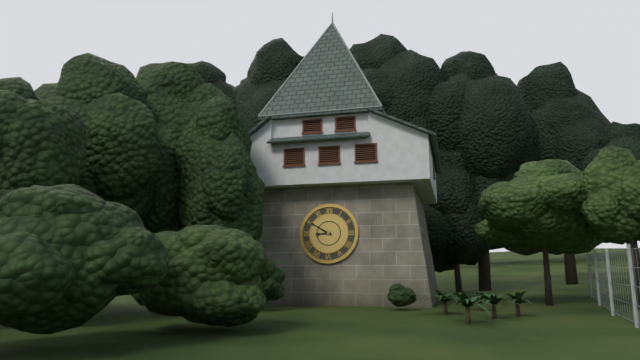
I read 8.50
